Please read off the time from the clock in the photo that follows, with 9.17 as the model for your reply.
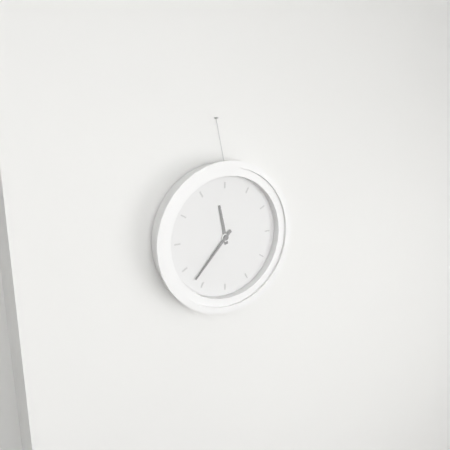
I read 11.37
